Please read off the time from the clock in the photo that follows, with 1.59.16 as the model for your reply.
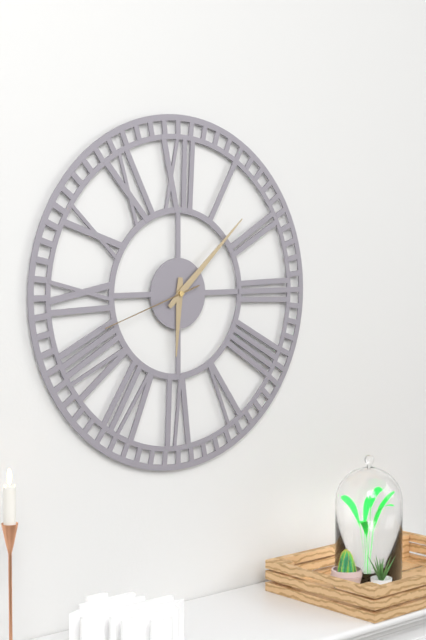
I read 6.08.42
